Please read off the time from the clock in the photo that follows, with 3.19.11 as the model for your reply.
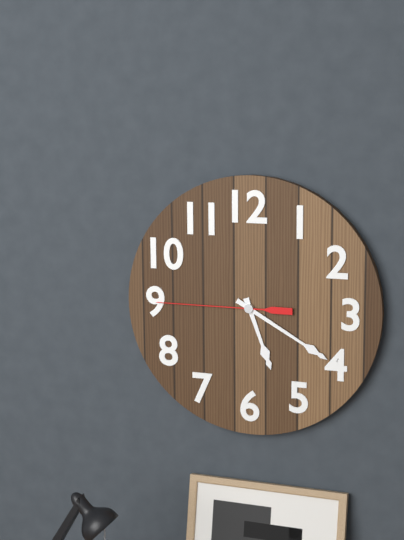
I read 5.20.45
